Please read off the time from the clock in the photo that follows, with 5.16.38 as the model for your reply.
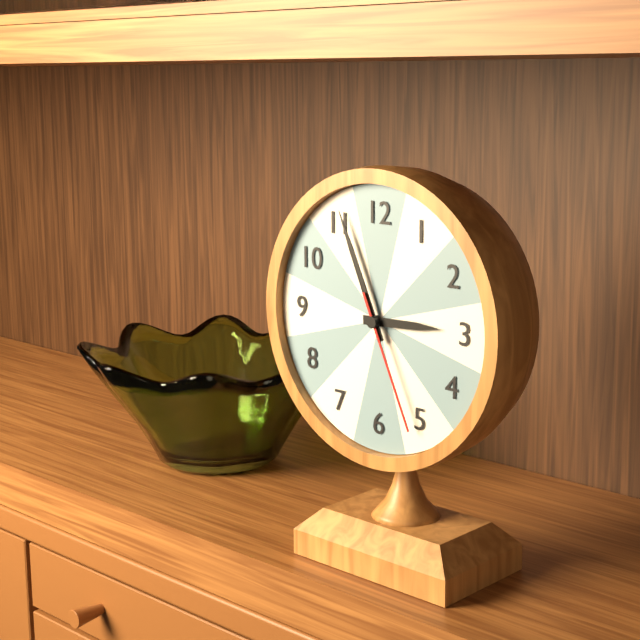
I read 2.56.26
